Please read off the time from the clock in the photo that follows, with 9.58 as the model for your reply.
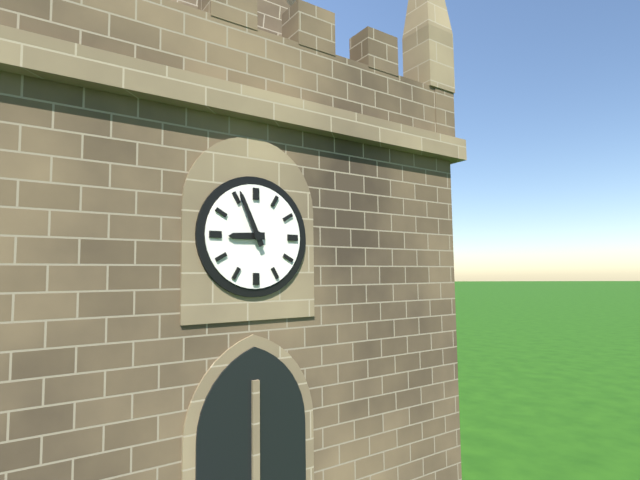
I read 8.56
